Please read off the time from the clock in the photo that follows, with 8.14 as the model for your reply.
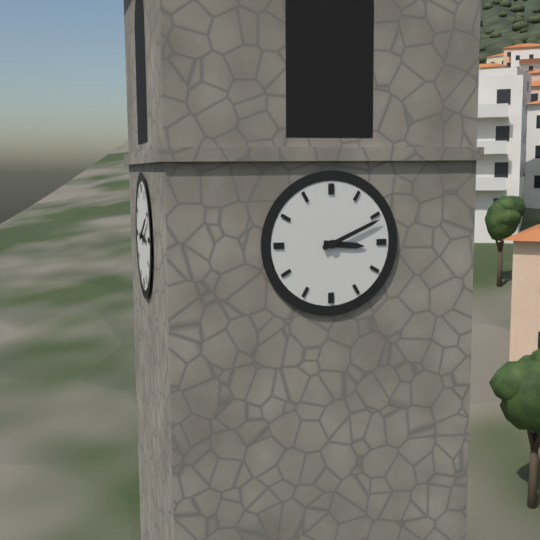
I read 3.11
